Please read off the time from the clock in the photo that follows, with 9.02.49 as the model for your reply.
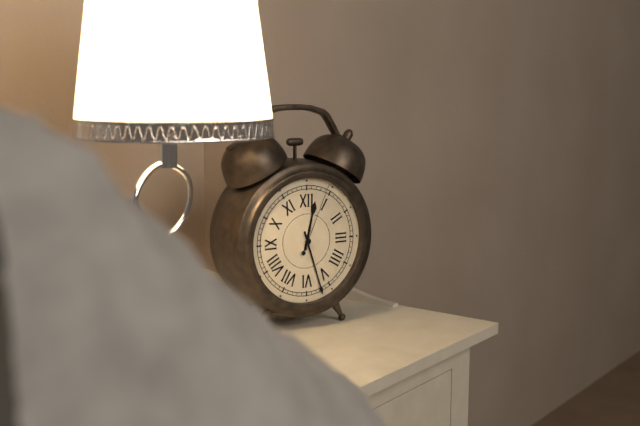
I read 12.27.04
